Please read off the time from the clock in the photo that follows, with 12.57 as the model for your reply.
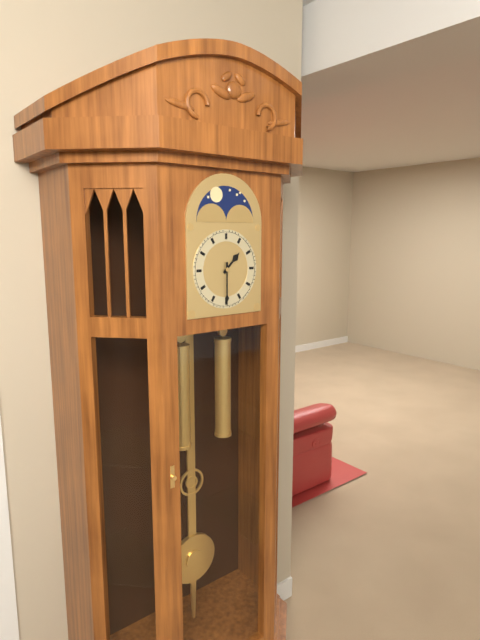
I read 1.30
